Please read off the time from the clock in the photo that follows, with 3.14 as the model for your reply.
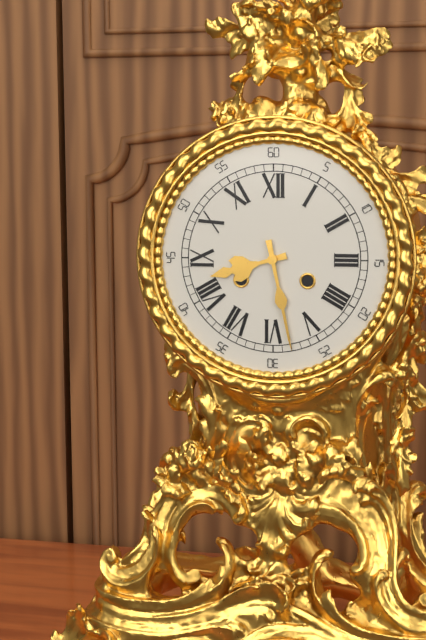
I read 8.28
